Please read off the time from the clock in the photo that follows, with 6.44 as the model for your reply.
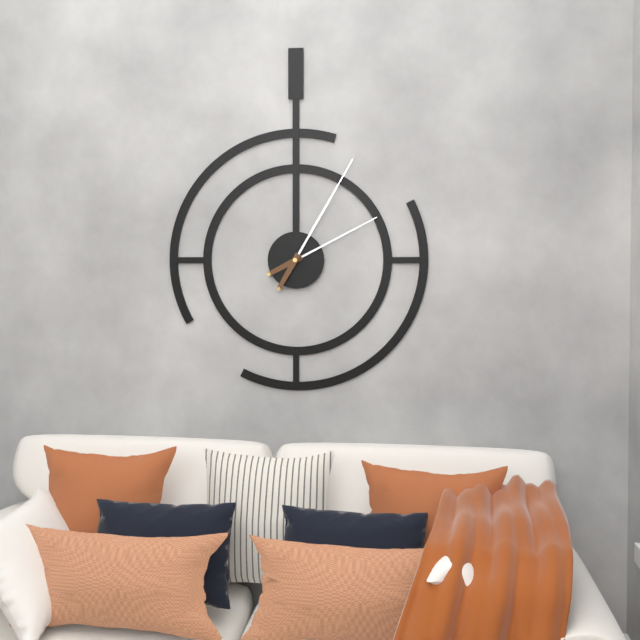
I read 2.05
